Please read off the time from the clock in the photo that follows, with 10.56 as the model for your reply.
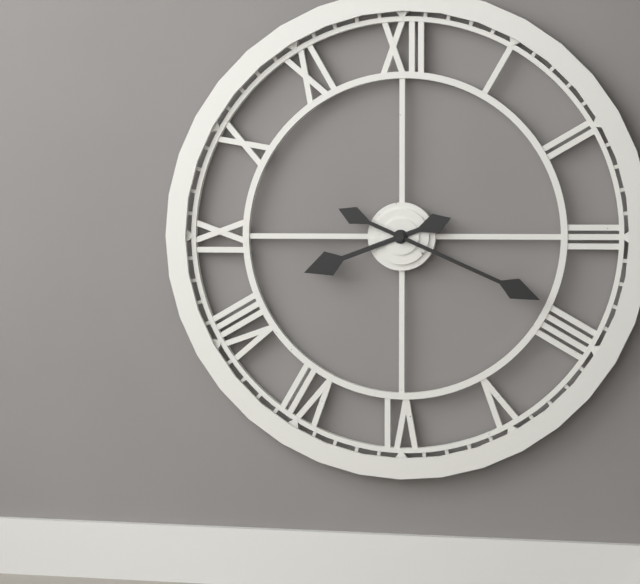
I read 8.19
